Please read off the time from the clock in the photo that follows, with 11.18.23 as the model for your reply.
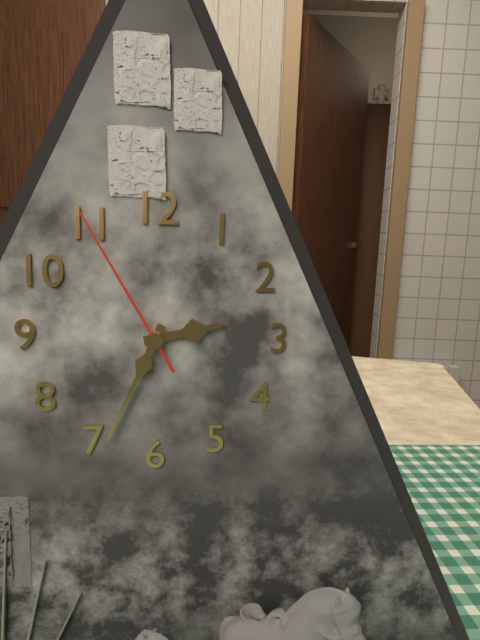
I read 2.34.55
